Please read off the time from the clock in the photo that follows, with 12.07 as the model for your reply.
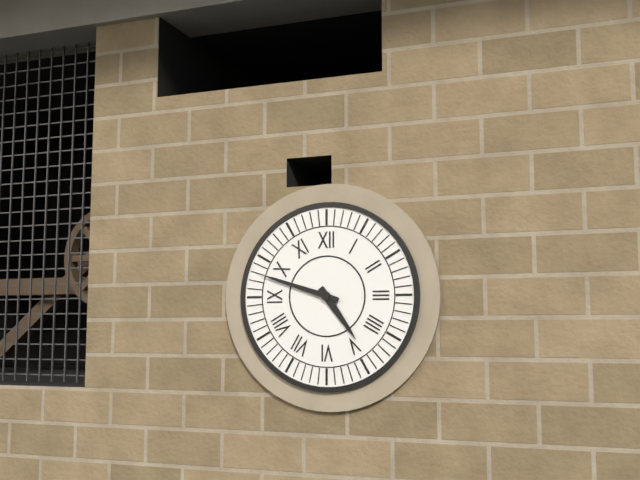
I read 4.48
